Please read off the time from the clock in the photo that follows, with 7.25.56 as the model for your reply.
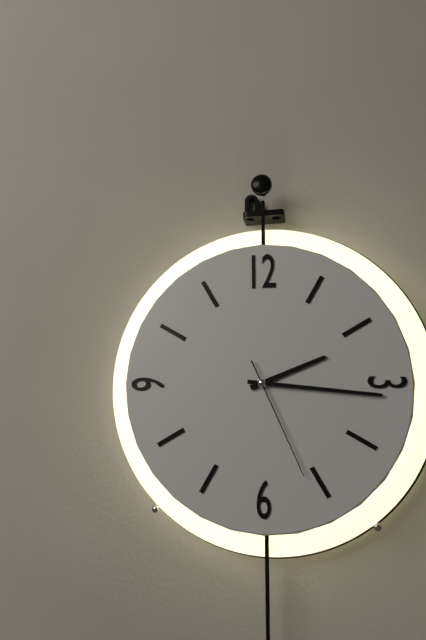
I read 2.16.26
